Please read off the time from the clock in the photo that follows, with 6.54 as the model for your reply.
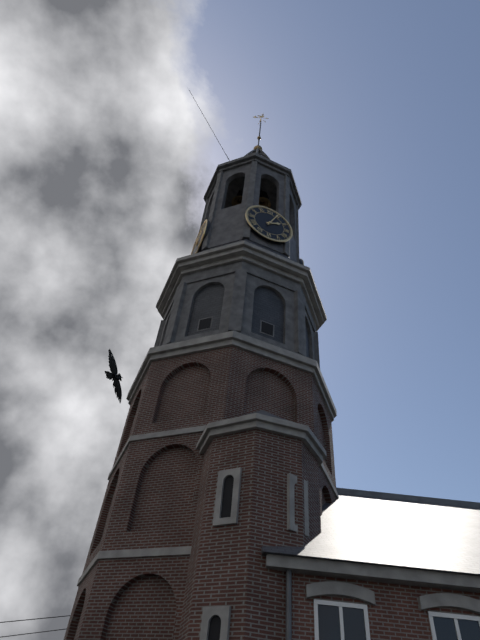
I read 2.04
